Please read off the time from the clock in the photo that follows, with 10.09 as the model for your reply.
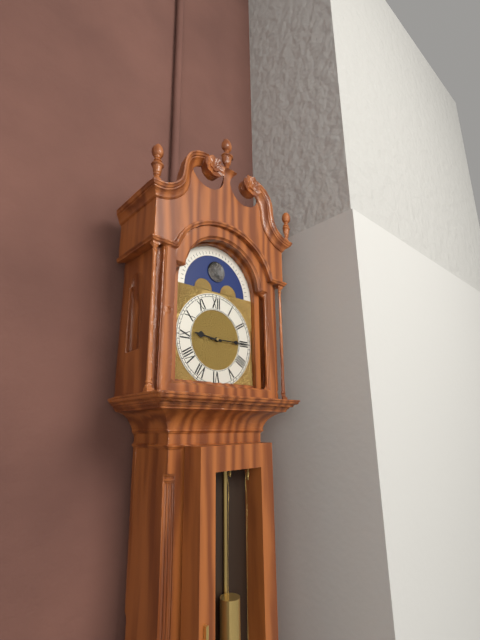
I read 9.15
